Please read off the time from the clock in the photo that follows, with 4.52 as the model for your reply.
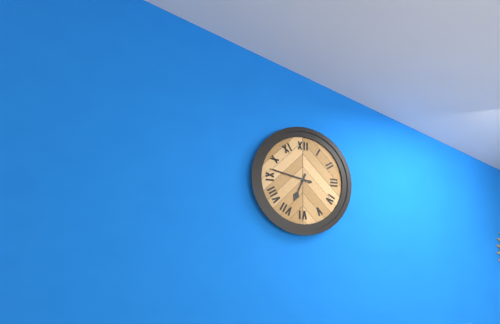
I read 6.47
